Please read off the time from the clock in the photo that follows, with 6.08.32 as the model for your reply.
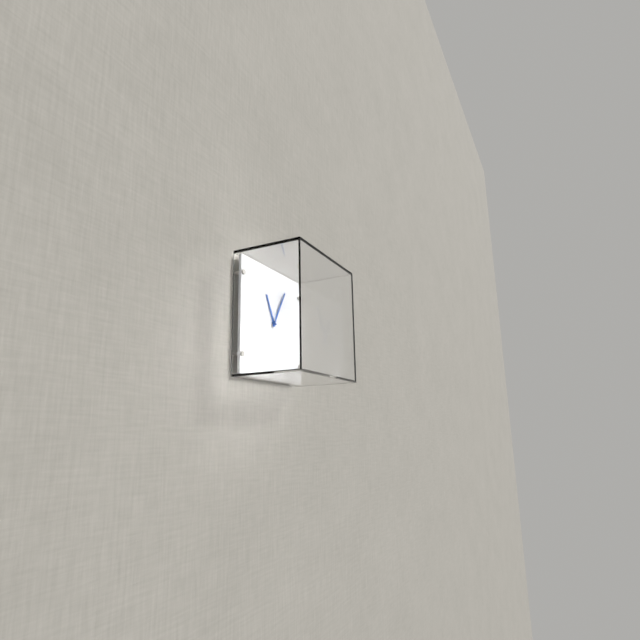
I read 11.05.28
